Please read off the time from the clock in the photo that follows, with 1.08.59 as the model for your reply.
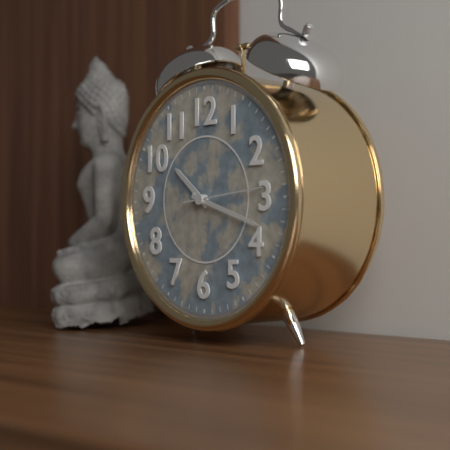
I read 10.18.14
